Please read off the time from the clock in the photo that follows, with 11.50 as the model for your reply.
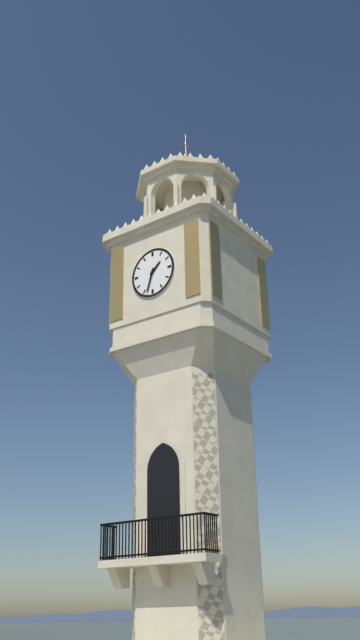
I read 1.33
